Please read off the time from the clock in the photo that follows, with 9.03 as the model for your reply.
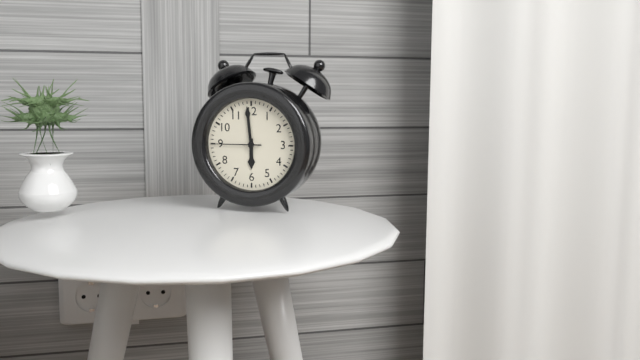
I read 5.59
